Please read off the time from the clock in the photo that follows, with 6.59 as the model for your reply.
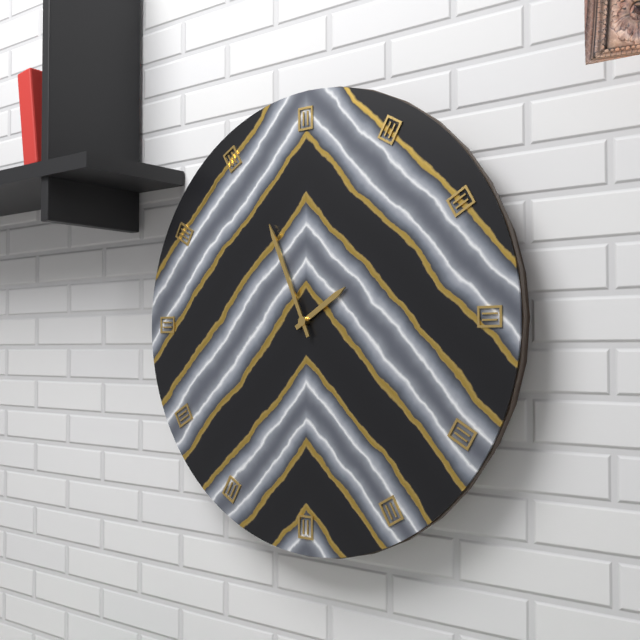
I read 1.56
